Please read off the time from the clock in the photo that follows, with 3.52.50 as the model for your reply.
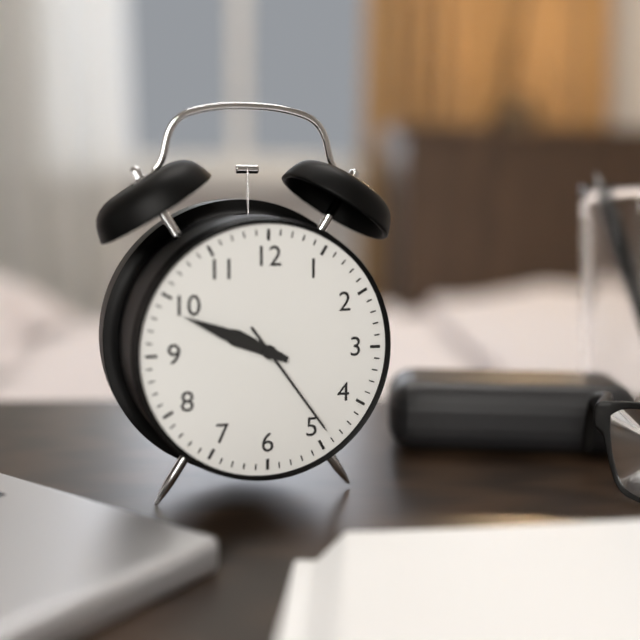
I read 9.49.24
